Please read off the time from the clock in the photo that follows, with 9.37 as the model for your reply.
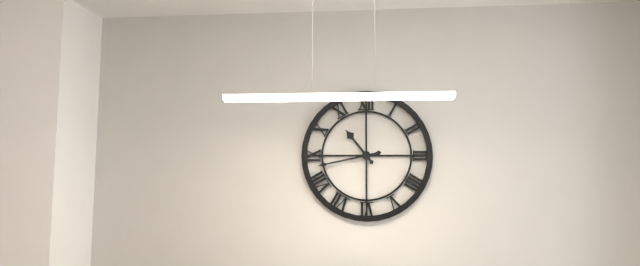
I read 10.43
